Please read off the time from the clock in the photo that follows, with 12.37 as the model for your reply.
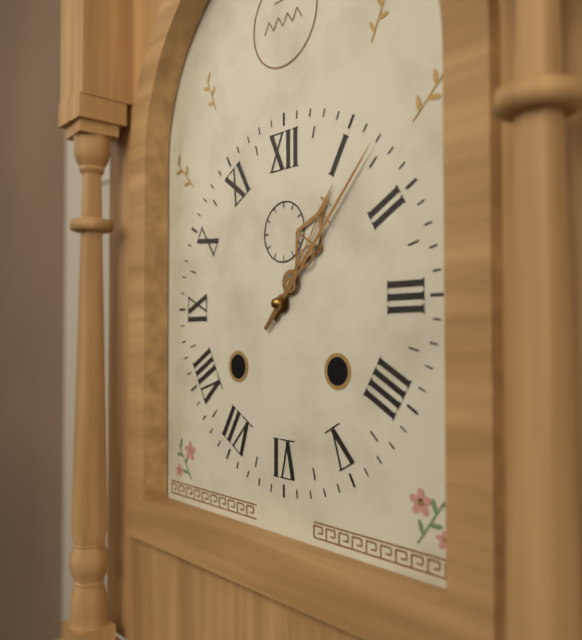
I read 1.07
